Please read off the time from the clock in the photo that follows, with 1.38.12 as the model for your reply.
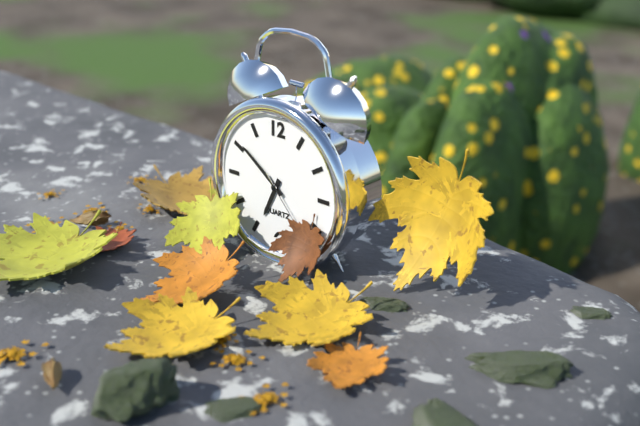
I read 6.51.23
